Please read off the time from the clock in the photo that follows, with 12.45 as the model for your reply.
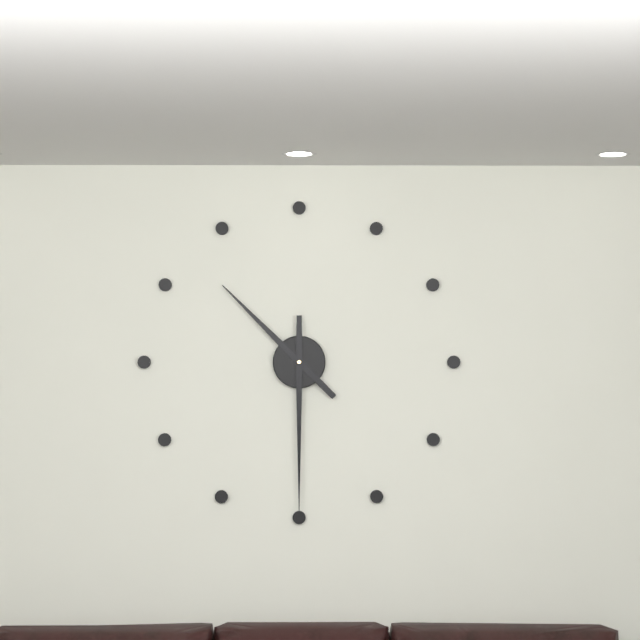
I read 10.30
